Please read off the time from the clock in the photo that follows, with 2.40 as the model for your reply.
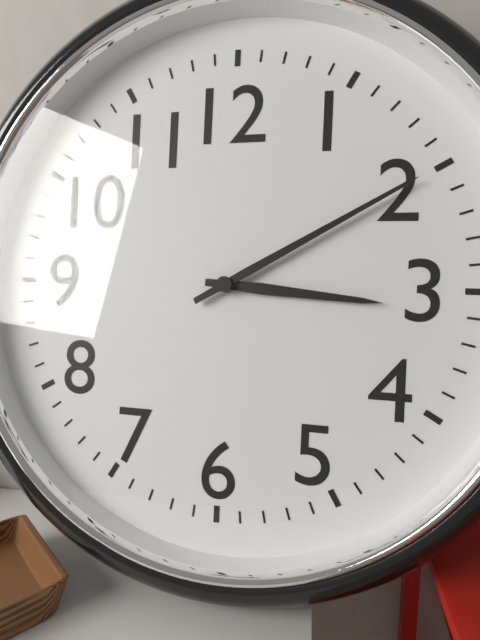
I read 3.10
